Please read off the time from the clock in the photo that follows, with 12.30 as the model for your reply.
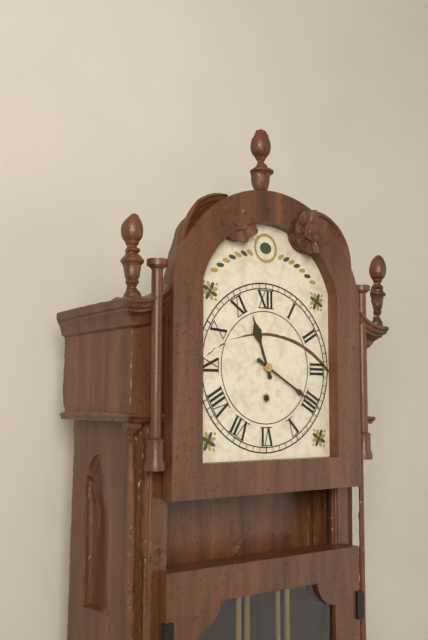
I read 11.20
